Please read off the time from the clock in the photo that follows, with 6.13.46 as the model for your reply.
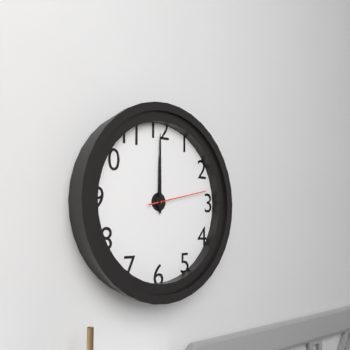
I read 12.00.13
